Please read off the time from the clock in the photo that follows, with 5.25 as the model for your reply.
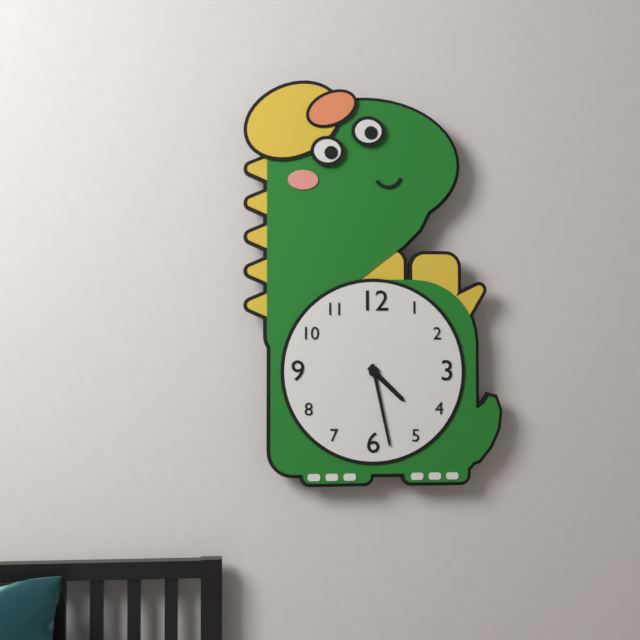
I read 4.28
